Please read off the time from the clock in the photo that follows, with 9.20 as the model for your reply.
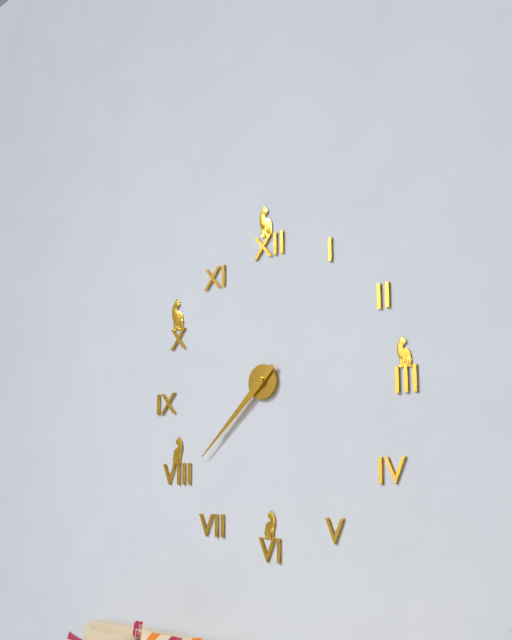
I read 7.38
